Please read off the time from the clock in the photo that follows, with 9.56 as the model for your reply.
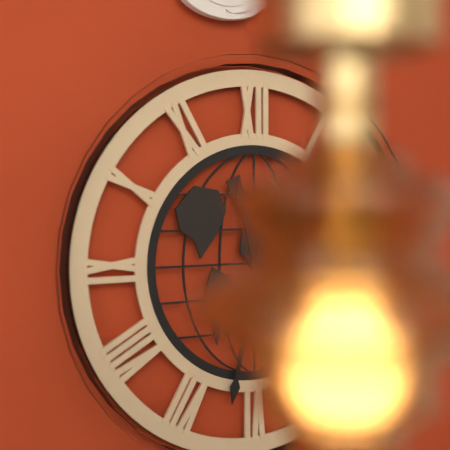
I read 11.32
